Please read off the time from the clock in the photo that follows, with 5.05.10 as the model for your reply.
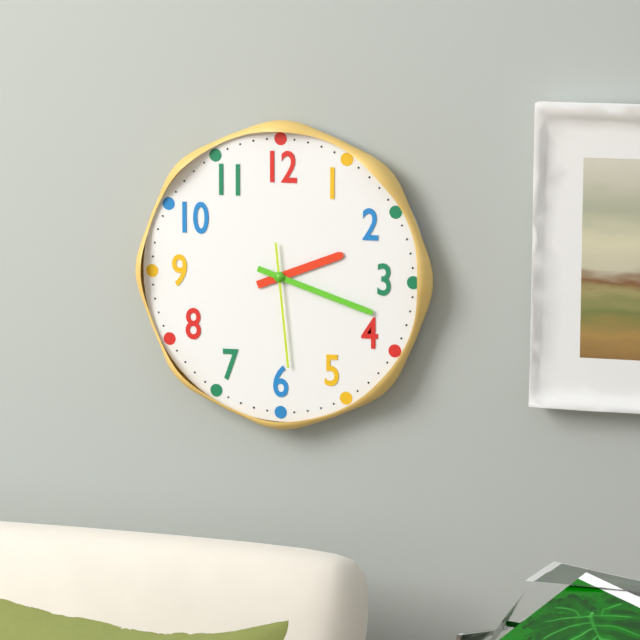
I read 2.18.29
